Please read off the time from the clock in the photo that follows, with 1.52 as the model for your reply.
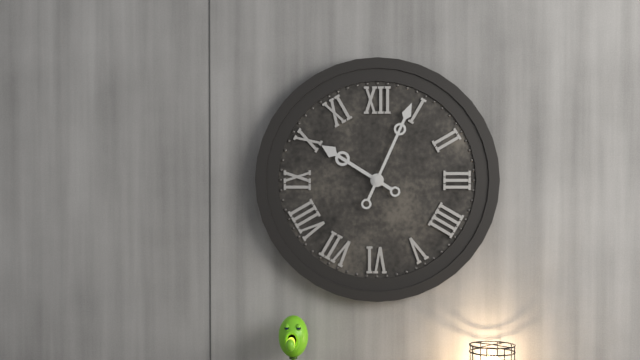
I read 10.04
